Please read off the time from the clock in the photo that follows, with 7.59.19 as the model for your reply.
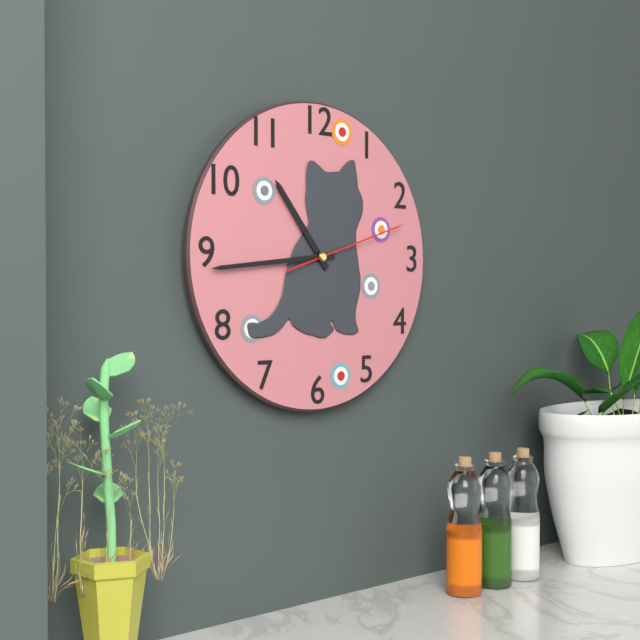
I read 10.44.12
